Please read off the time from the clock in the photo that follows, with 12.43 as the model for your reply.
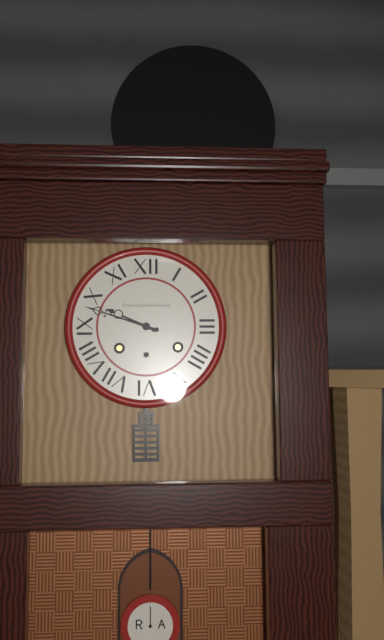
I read 9.48
